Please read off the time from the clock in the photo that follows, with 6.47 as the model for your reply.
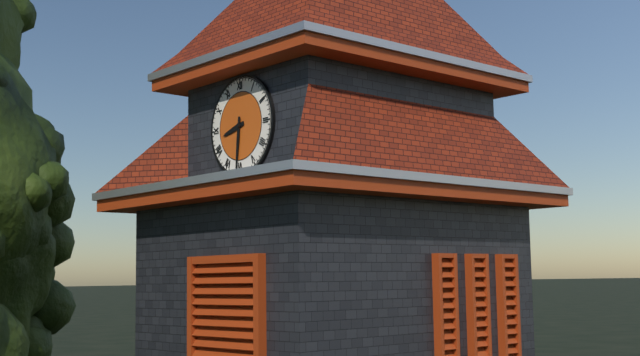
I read 8.31
